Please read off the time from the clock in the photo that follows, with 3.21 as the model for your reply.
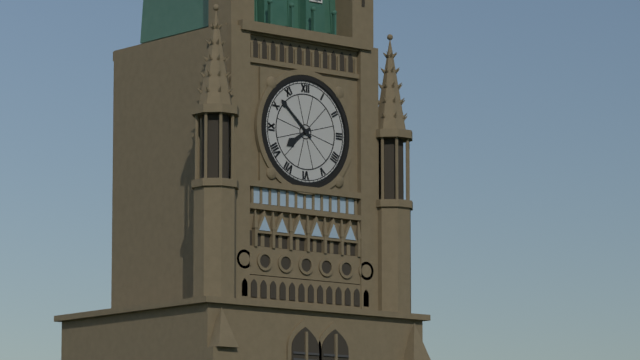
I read 7.52
